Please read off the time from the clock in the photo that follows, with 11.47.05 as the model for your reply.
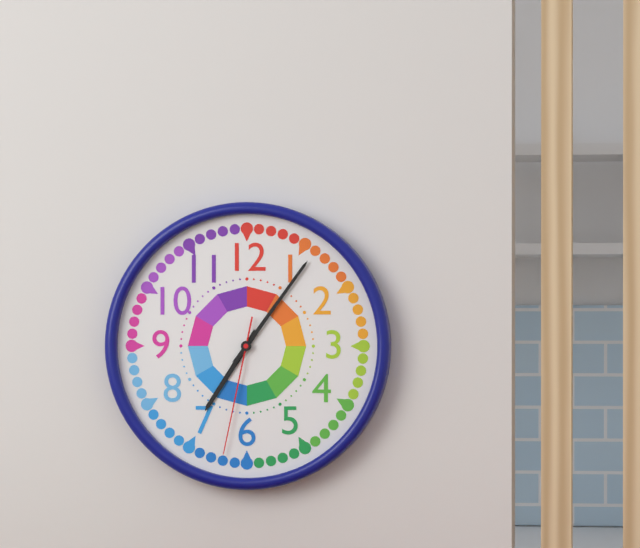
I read 7.06.32
